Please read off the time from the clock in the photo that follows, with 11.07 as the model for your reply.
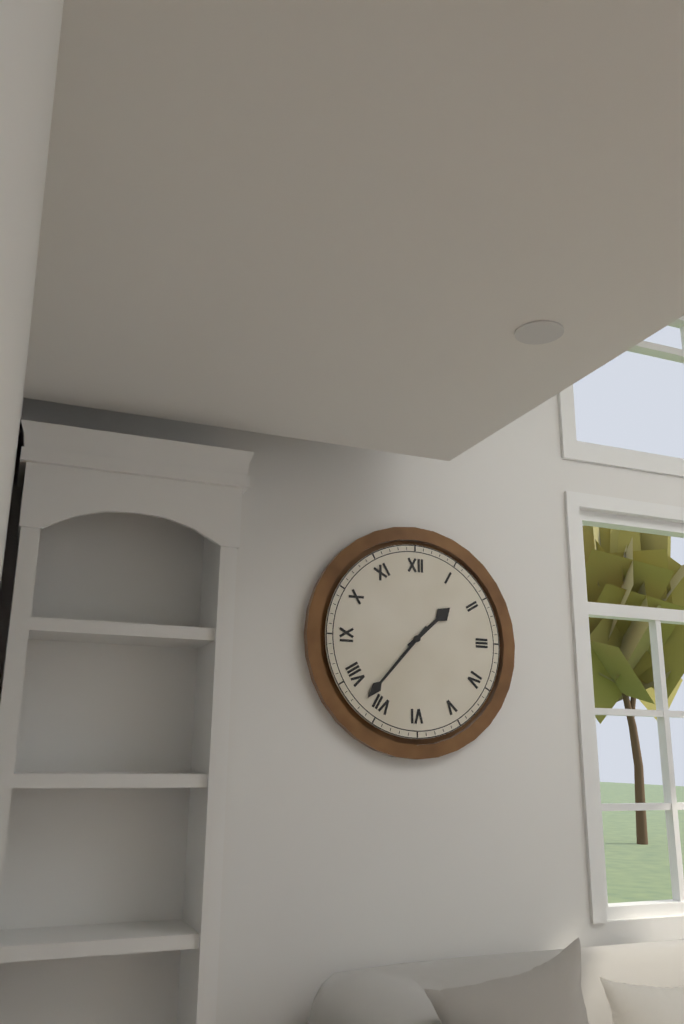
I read 1.37
